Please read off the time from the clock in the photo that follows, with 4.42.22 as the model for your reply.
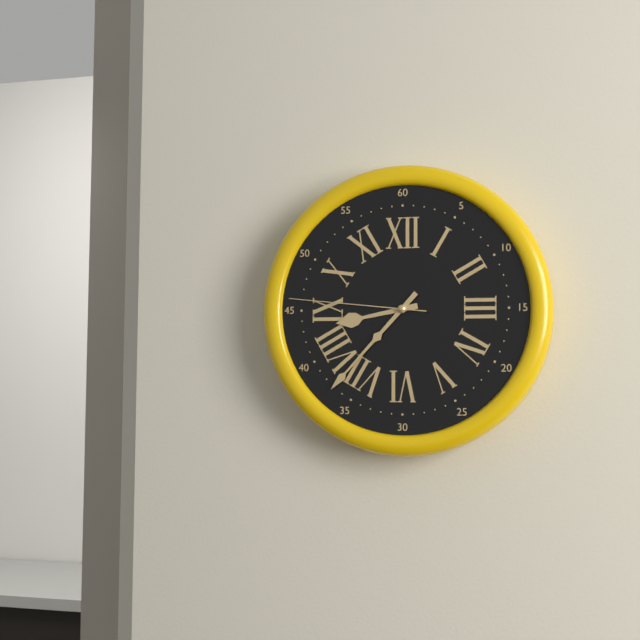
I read 8.37.46
